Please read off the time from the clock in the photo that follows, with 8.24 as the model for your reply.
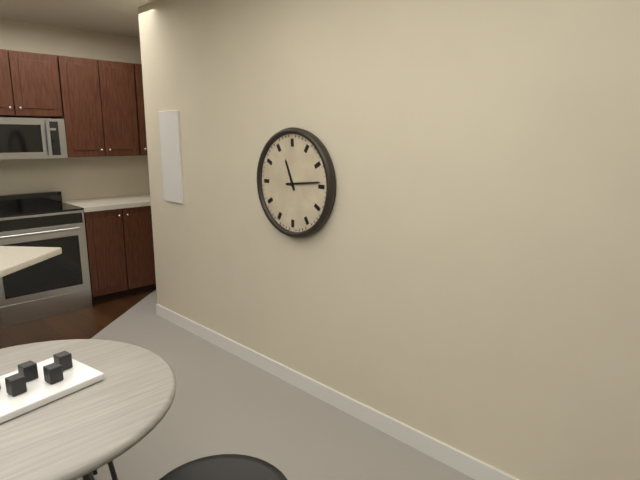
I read 11.14
